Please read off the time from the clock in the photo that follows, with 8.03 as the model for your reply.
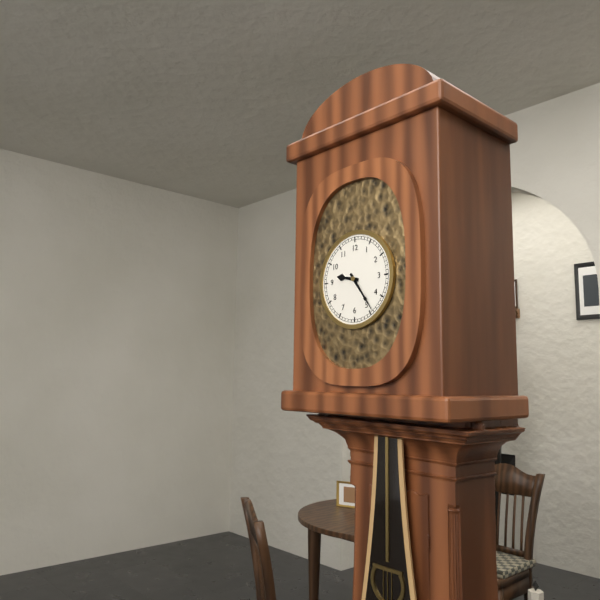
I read 9.24
